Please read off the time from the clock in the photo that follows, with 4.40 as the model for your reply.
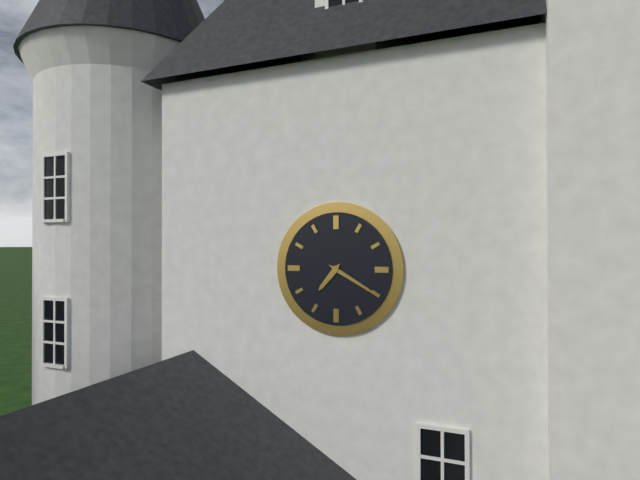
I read 7.20
